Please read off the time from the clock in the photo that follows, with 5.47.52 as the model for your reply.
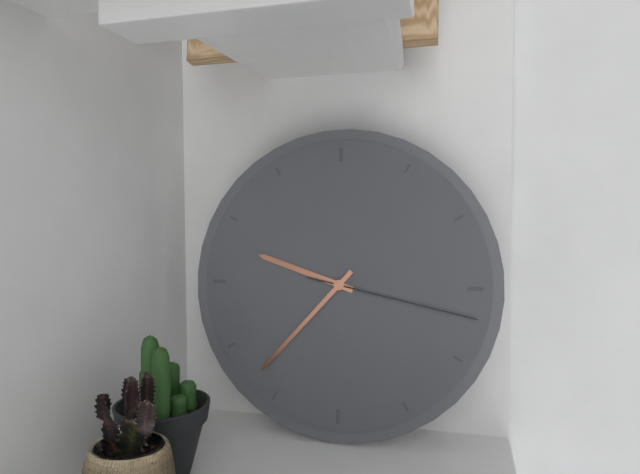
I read 9.37.17
